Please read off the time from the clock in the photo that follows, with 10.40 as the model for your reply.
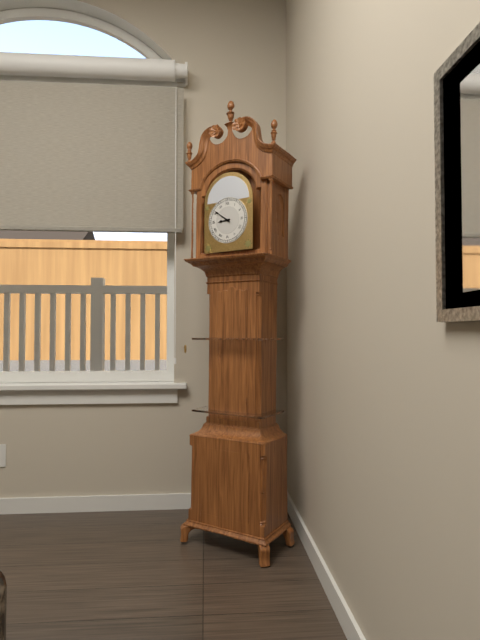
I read 8.51
